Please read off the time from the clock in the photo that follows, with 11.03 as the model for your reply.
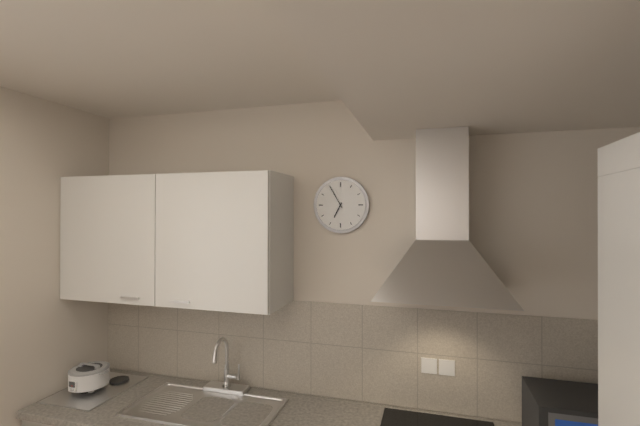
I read 6.55
